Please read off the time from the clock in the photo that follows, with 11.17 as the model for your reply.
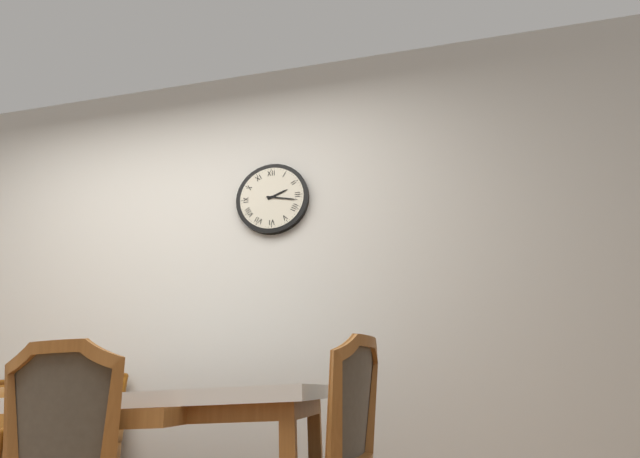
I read 2.17
